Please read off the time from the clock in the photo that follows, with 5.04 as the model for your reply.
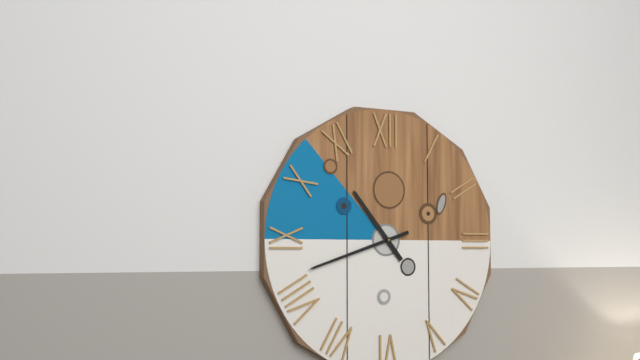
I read 10.42
